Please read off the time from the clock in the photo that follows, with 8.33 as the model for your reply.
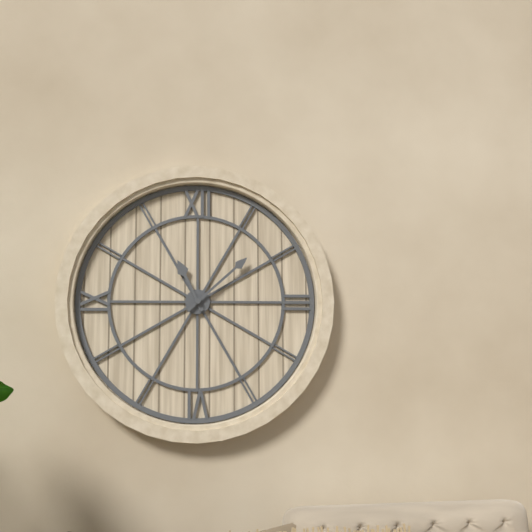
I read 11.08
